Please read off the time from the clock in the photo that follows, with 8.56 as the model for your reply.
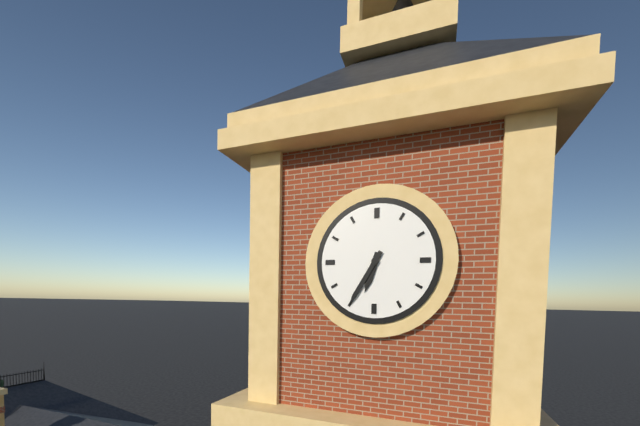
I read 6.35
